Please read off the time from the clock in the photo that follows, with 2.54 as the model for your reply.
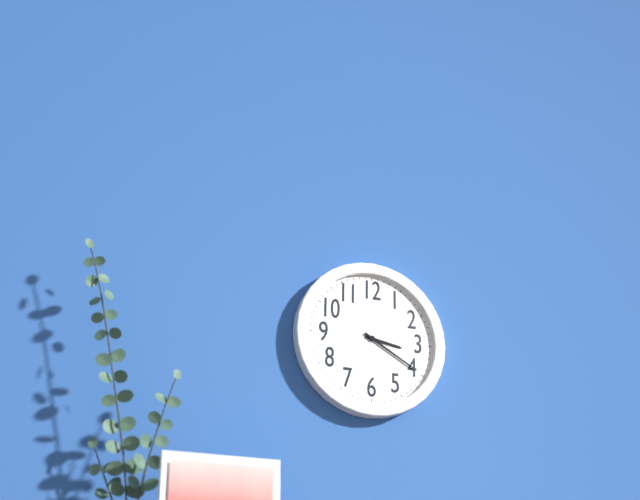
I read 3.20
